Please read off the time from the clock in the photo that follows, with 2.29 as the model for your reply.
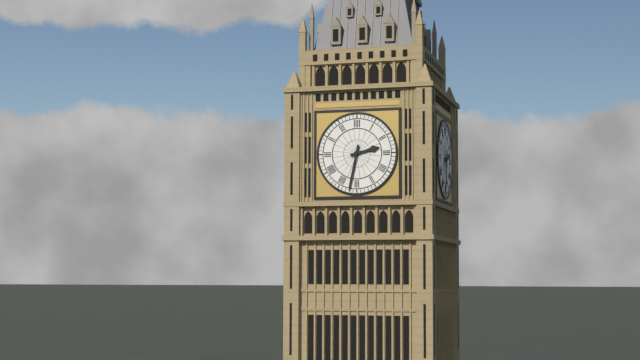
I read 2.32
